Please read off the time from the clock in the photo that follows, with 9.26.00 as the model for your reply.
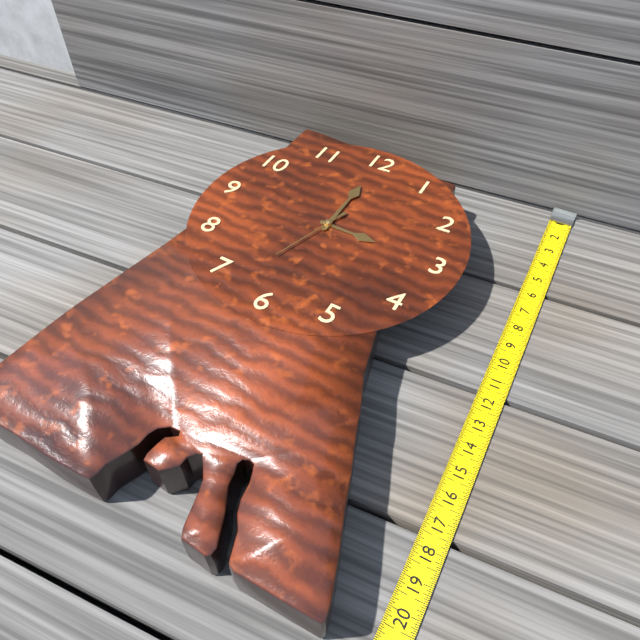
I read 3.00.33
